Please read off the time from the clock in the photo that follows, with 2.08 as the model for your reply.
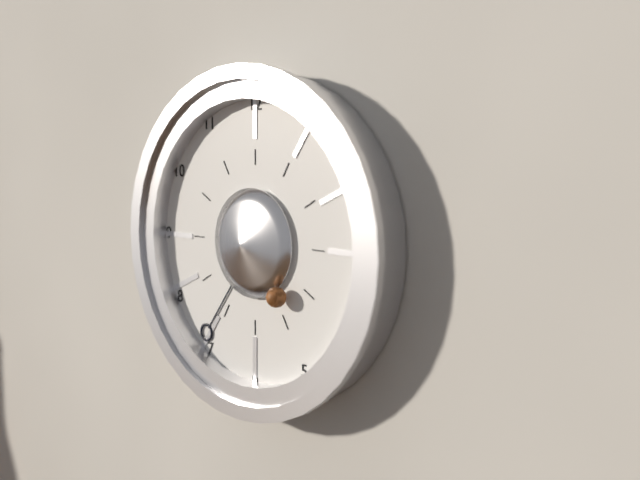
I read 4.36
